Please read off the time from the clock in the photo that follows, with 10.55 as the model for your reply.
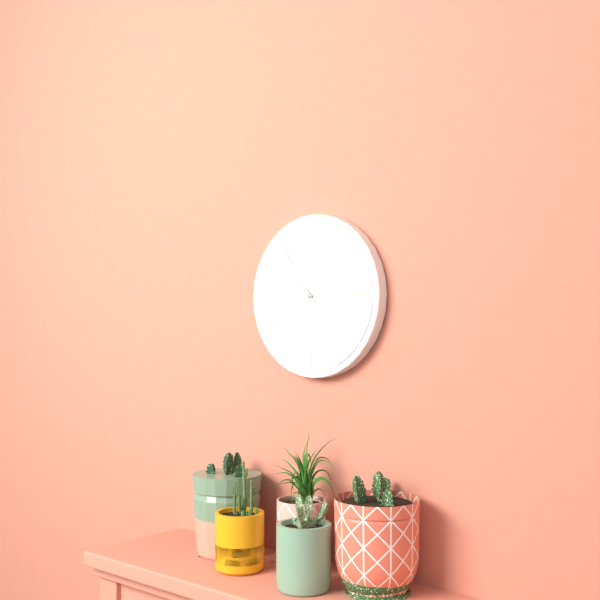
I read 10.54
